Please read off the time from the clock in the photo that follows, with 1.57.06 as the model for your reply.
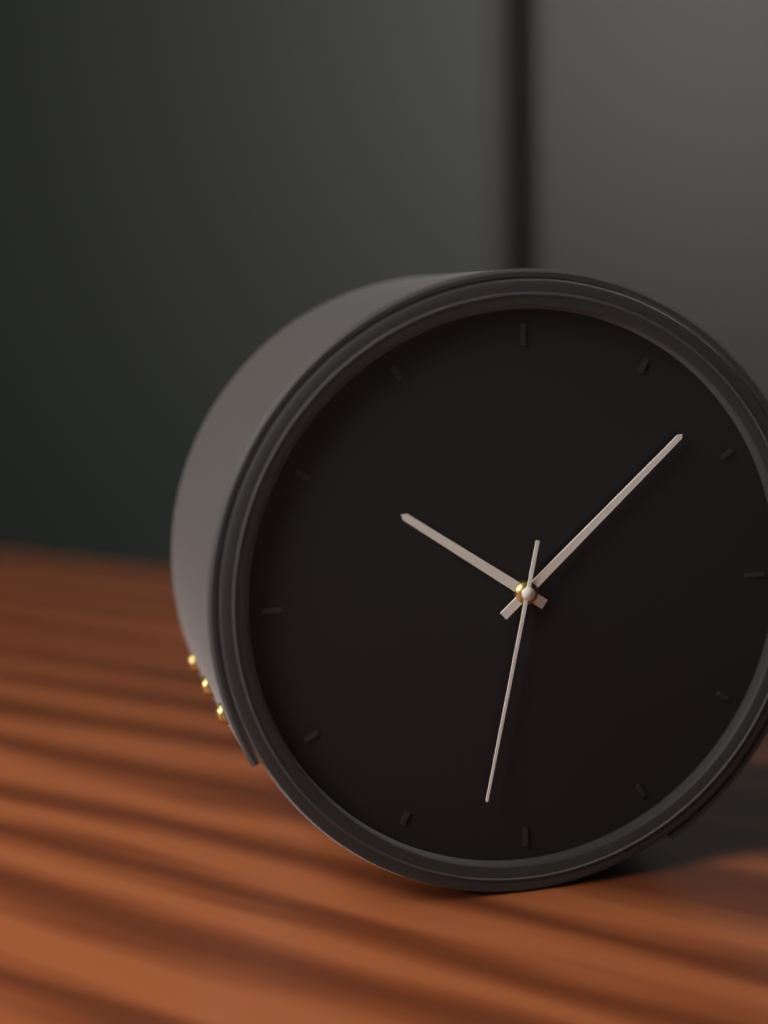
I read 10.08.32
